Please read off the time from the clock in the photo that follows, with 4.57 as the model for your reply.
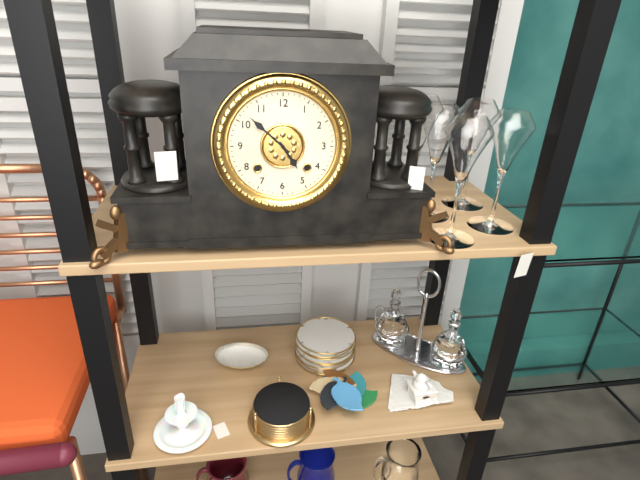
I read 4.52
